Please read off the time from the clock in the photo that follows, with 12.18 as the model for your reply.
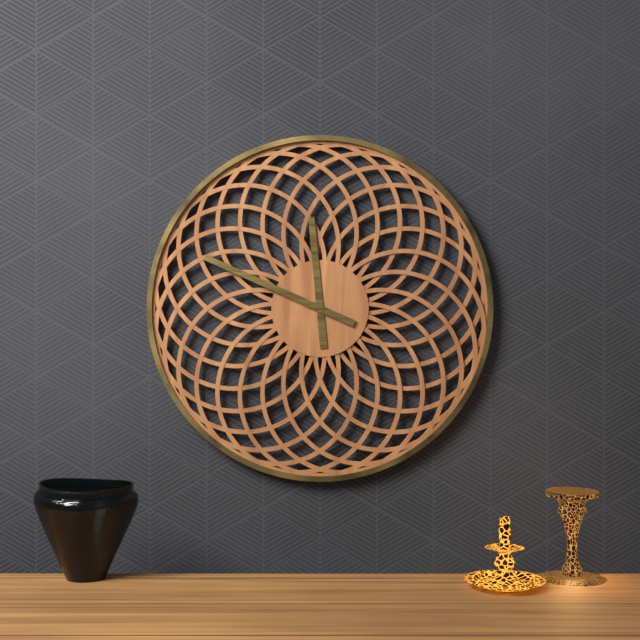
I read 11.49
